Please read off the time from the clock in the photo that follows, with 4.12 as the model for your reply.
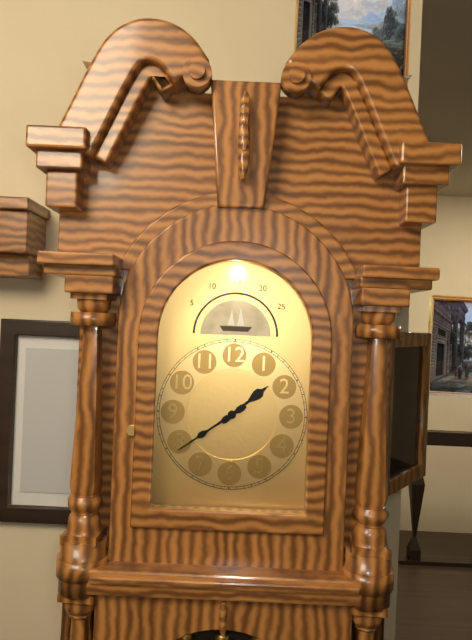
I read 1.39
